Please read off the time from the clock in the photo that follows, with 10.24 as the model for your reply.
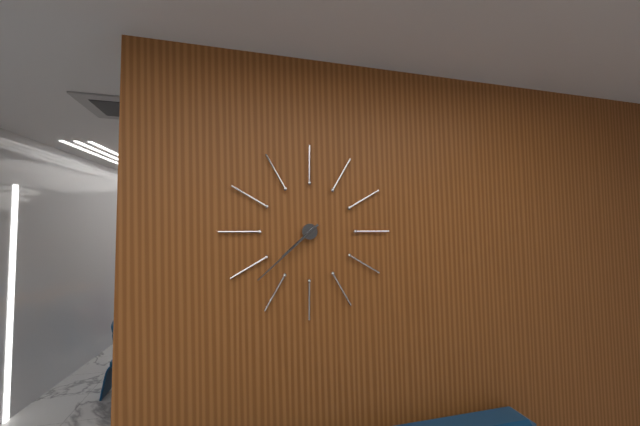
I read 7.38
